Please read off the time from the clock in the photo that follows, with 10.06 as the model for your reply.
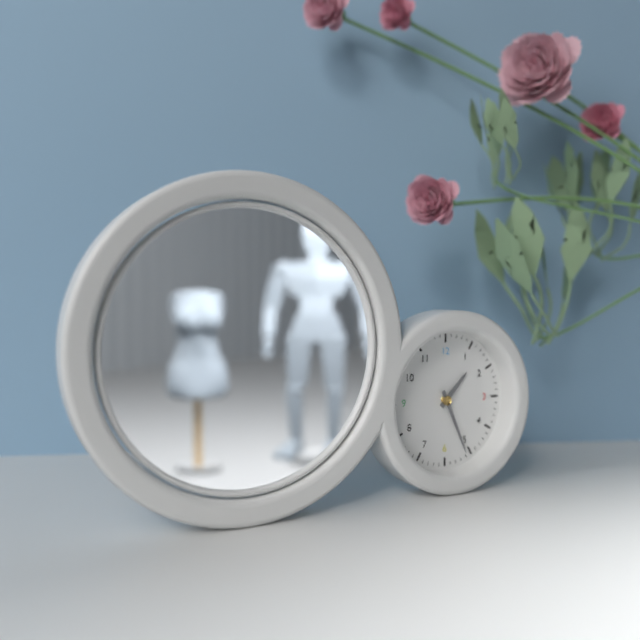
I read 1.26
